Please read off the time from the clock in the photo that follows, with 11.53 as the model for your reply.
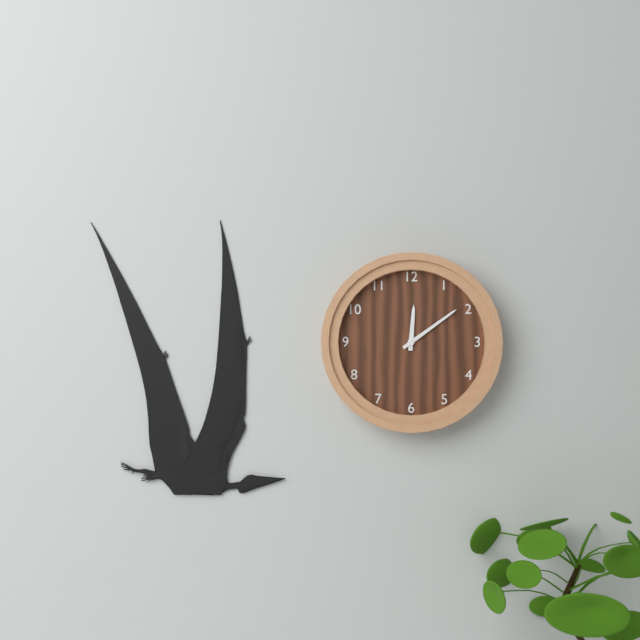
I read 12.09
